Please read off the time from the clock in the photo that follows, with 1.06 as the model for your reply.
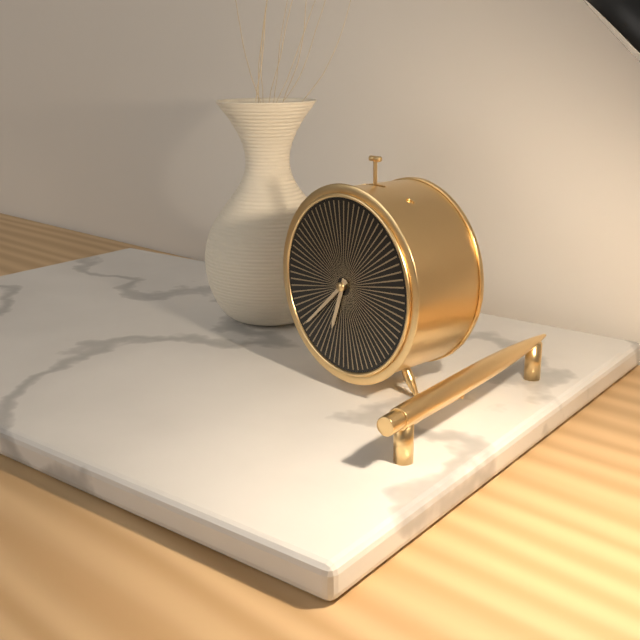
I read 6.38
